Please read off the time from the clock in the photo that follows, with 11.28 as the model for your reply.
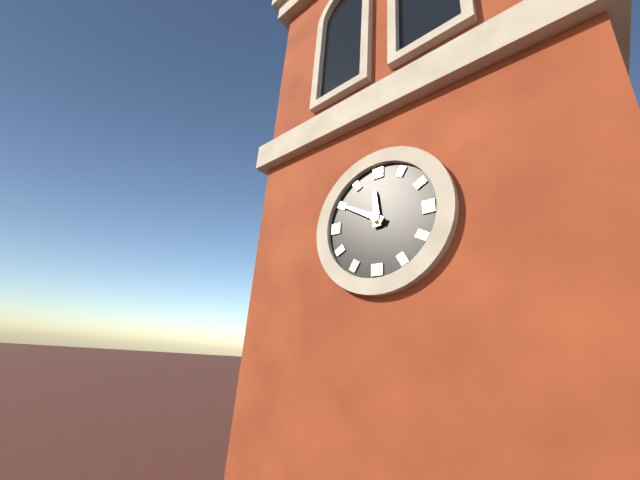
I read 11.50
